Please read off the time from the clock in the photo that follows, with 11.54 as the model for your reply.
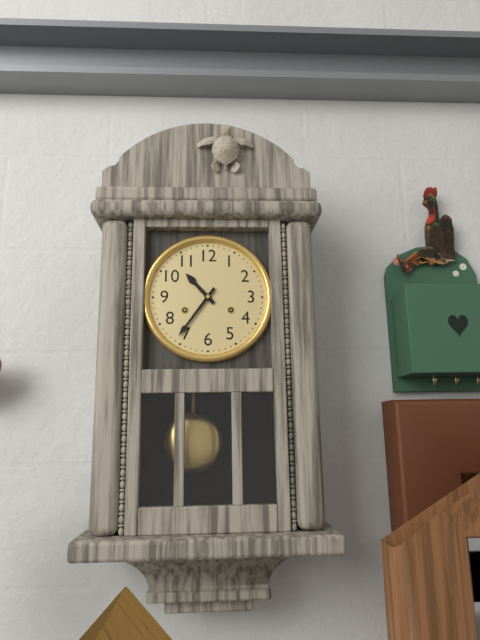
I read 10.36
